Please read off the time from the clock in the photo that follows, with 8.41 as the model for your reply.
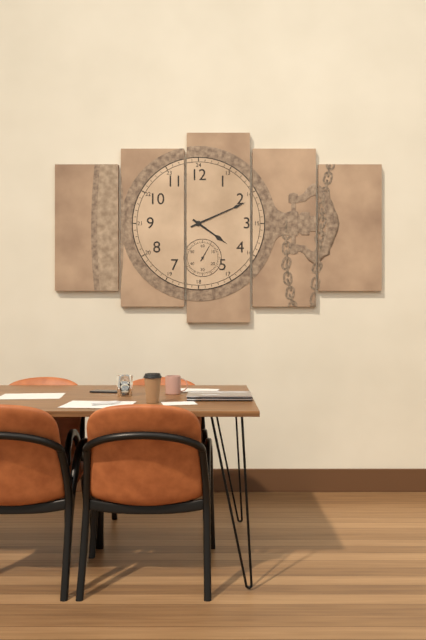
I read 4.11
